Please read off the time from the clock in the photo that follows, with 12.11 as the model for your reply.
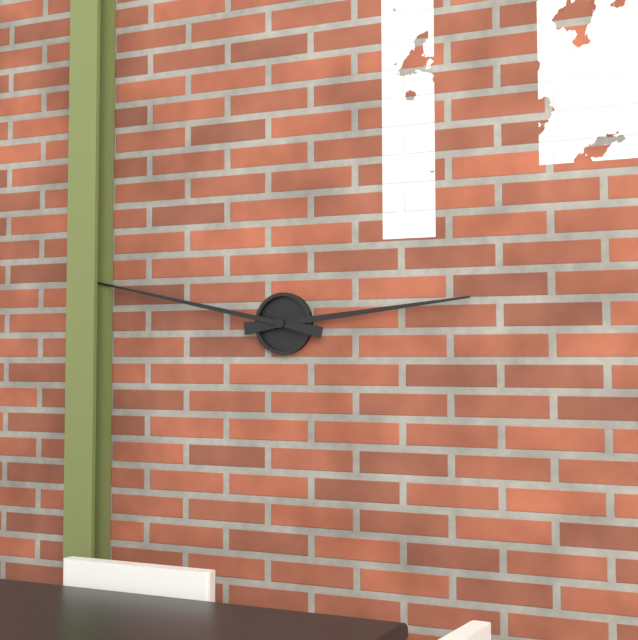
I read 2.47
